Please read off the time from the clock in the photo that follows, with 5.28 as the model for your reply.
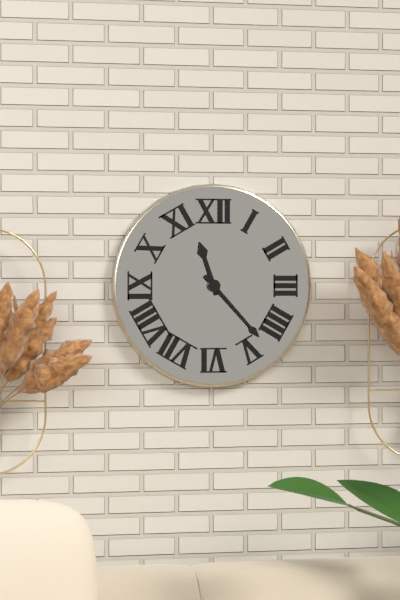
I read 11.23
